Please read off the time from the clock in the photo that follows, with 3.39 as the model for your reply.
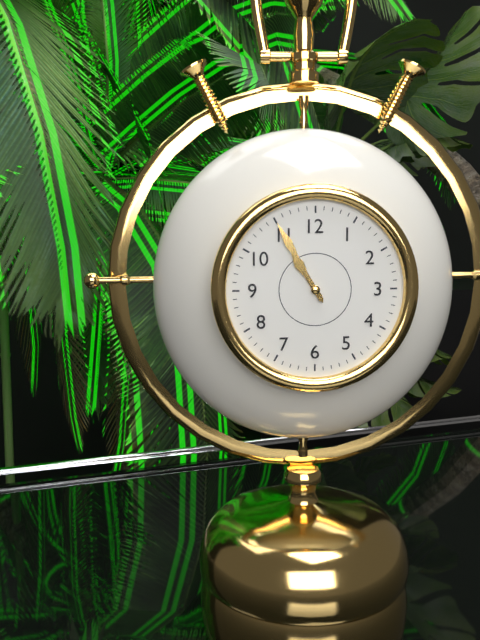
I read 10.55
